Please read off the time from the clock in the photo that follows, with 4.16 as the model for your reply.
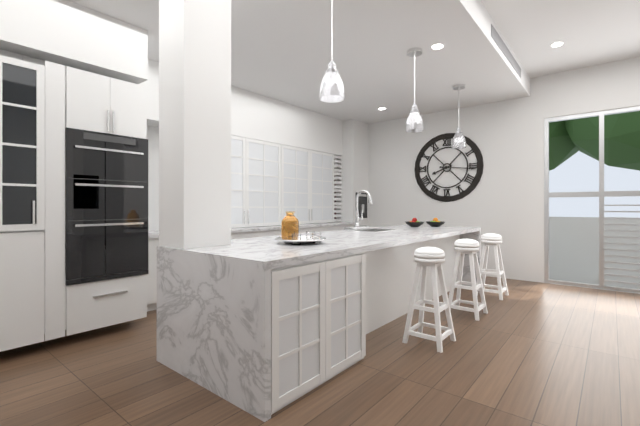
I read 8.16
